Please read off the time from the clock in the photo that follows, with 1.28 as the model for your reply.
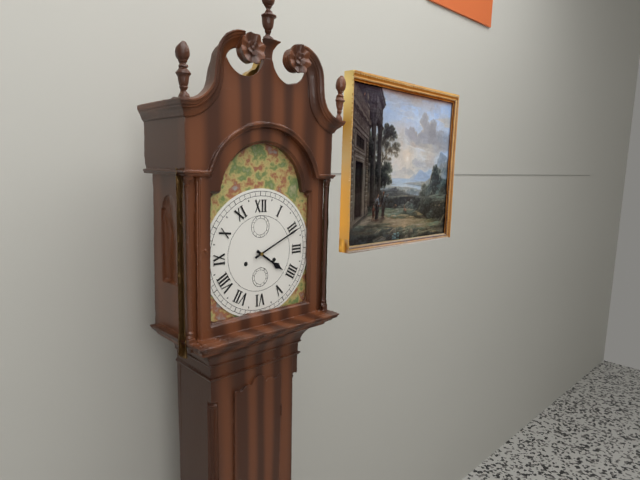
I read 4.11
